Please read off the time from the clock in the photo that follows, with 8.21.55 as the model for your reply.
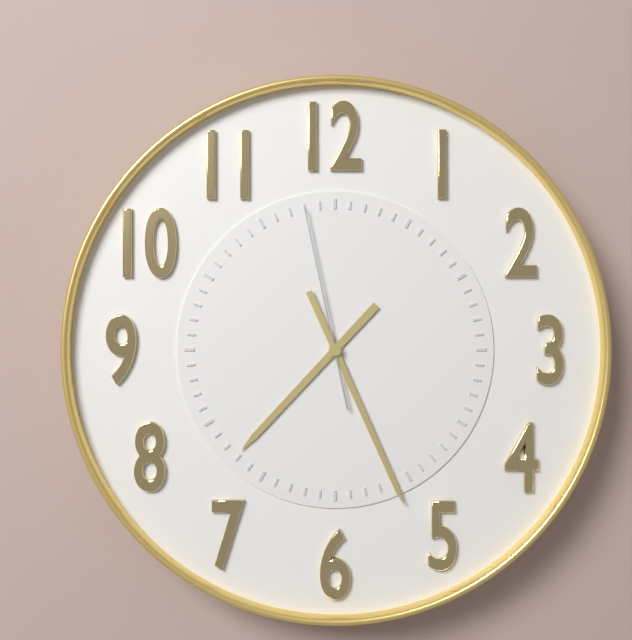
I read 7.26.58
